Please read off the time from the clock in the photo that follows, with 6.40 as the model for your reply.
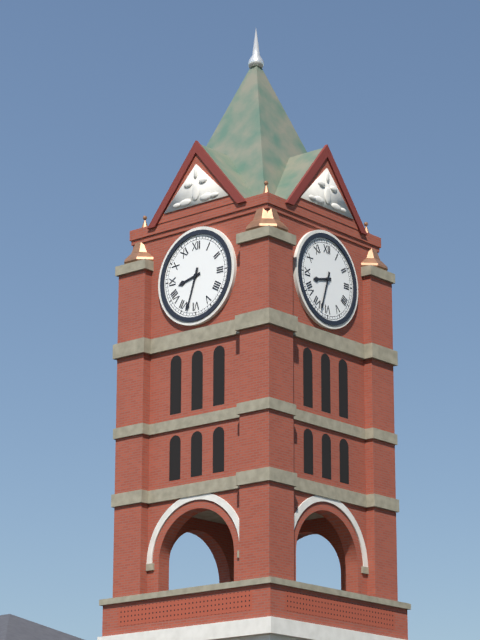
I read 8.33
